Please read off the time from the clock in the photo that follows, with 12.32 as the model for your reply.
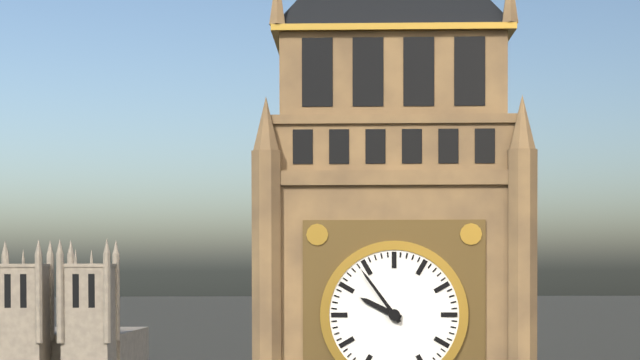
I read 9.54
